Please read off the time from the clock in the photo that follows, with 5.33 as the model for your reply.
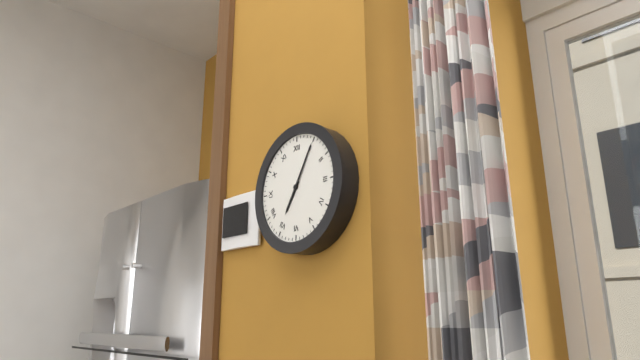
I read 7.05
